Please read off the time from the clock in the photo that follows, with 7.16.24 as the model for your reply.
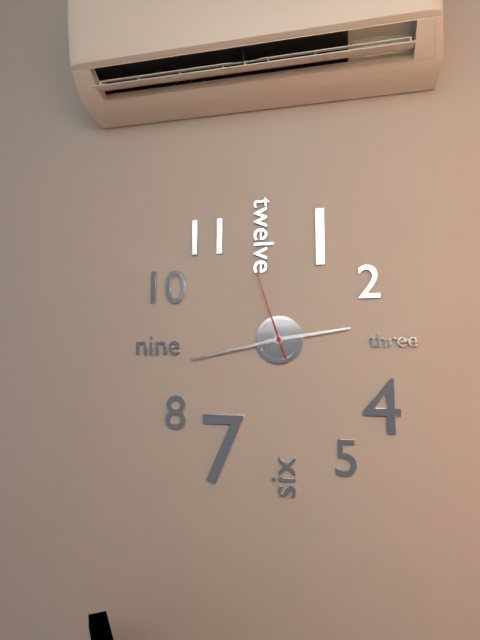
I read 2.43.57
